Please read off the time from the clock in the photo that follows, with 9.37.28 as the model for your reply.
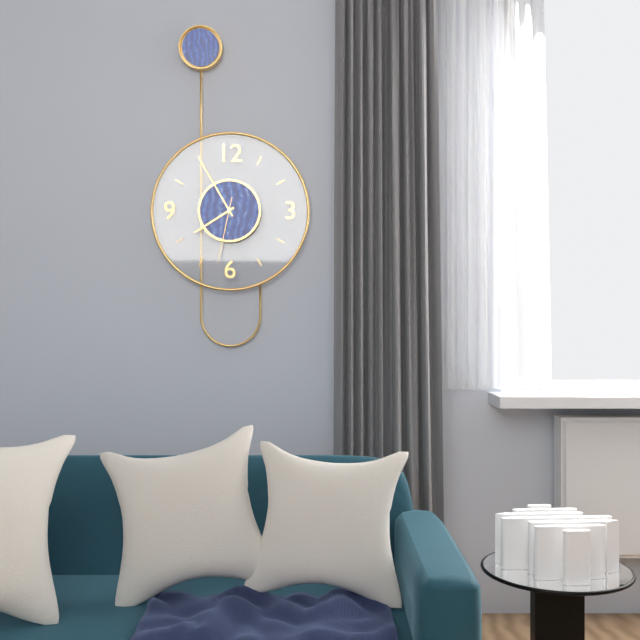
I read 7.55.32
